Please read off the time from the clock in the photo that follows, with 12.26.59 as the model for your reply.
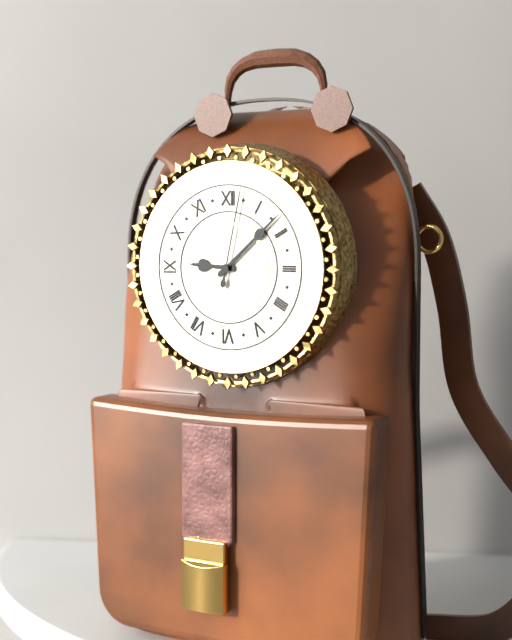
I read 9.08.02
